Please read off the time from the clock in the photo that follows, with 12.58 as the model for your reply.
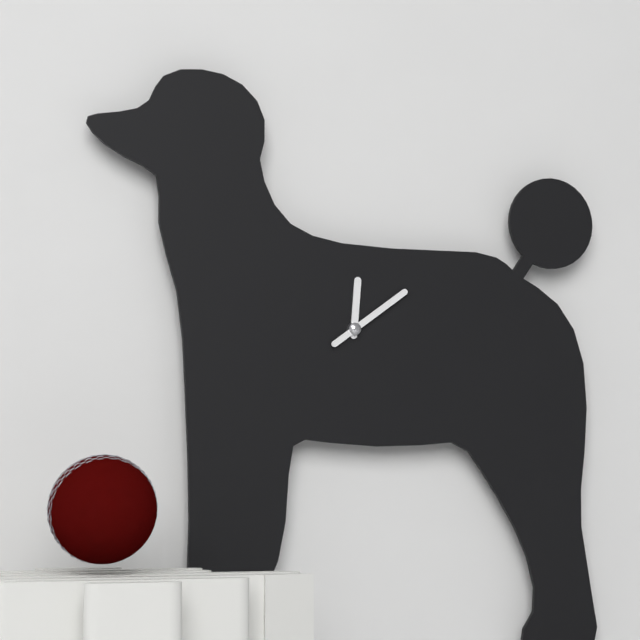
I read 12.09
